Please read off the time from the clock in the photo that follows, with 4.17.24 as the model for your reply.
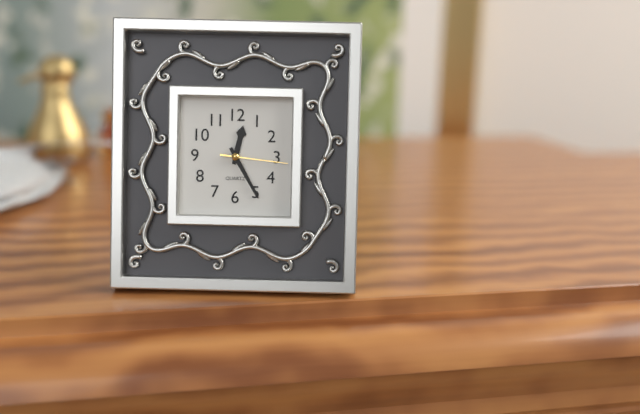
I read 12.25.16
